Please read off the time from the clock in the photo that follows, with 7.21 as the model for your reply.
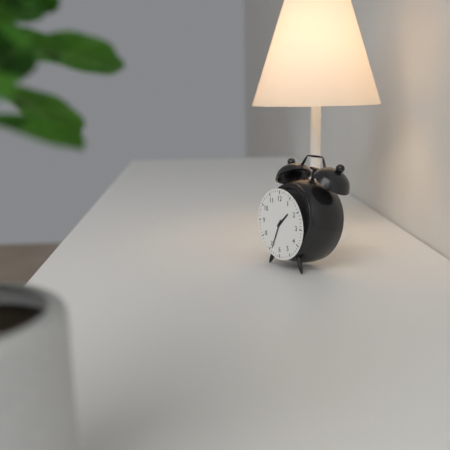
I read 1.34
